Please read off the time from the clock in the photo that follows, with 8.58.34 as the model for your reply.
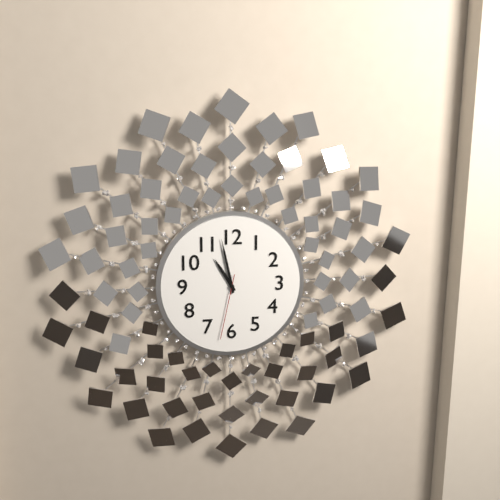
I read 10.58.32
